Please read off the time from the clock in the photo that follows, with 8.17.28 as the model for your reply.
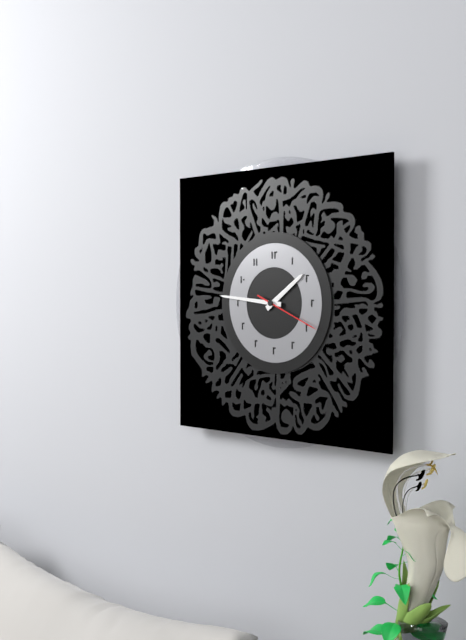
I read 1.46.19
